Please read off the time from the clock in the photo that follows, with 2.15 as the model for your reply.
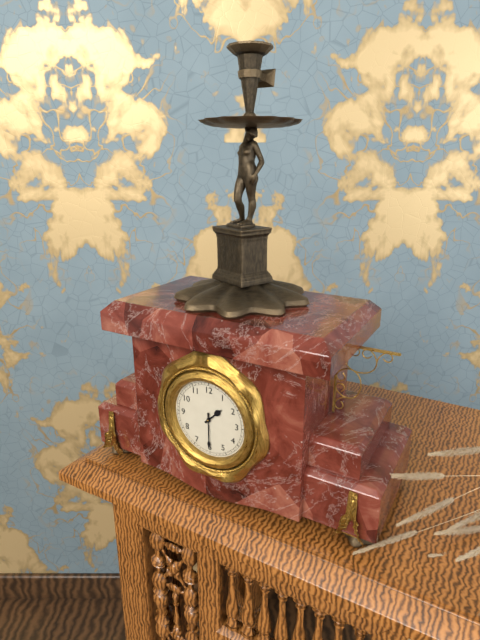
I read 1.30
